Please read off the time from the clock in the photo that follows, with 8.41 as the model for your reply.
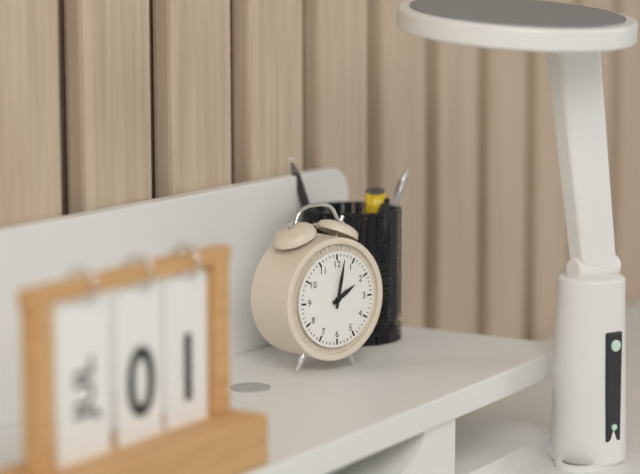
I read 2.02
